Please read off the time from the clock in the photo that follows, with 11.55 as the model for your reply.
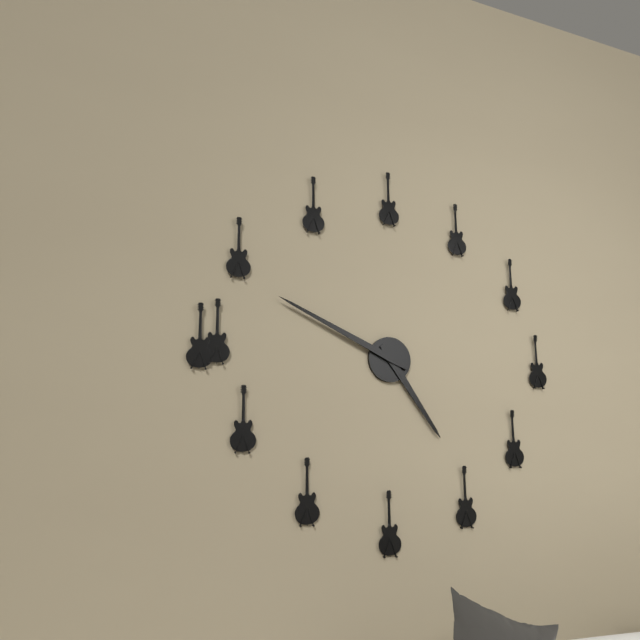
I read 4.49
